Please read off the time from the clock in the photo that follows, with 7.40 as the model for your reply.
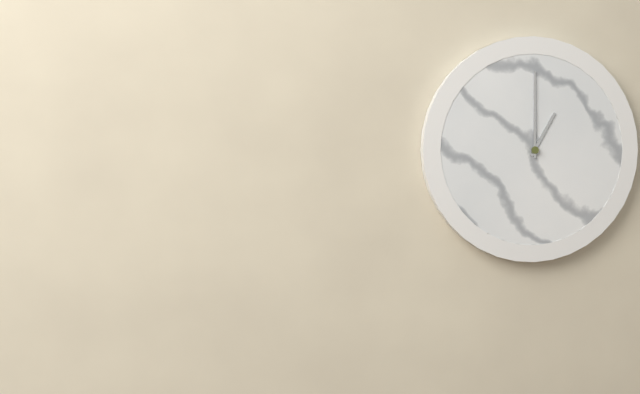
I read 1.00
